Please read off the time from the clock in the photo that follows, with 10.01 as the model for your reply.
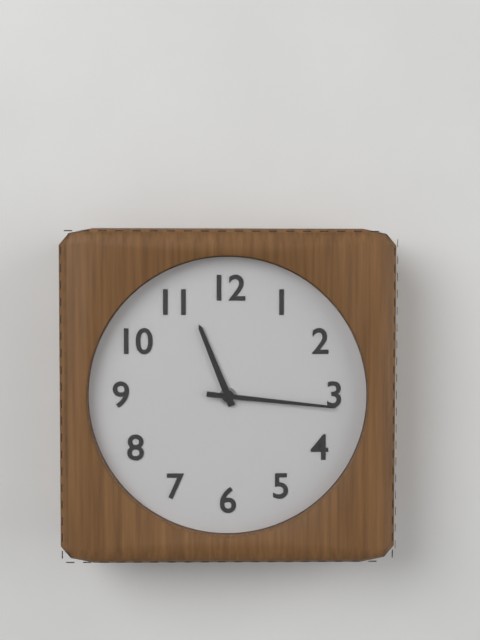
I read 11.16
